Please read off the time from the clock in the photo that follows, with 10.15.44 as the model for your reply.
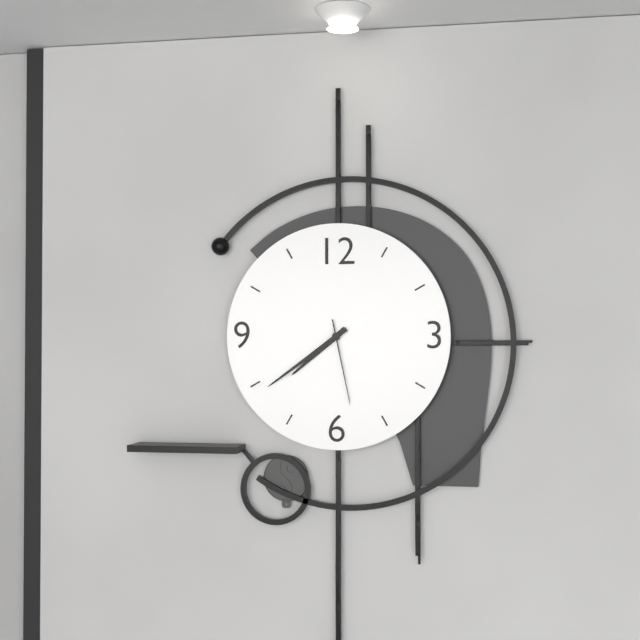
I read 7.39.28
